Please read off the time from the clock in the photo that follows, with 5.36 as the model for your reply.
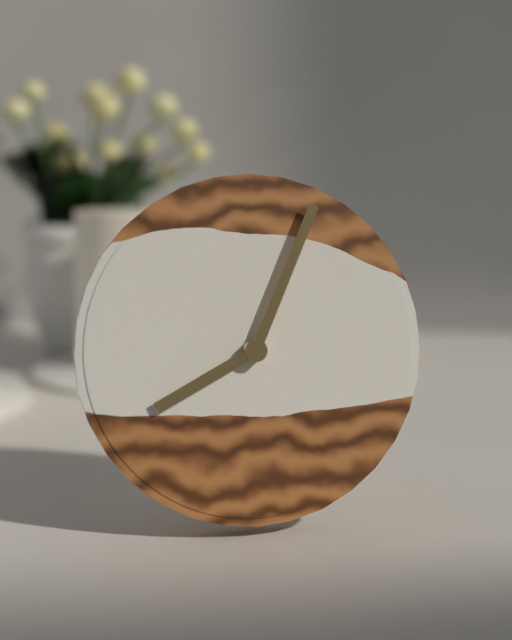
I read 8.04
